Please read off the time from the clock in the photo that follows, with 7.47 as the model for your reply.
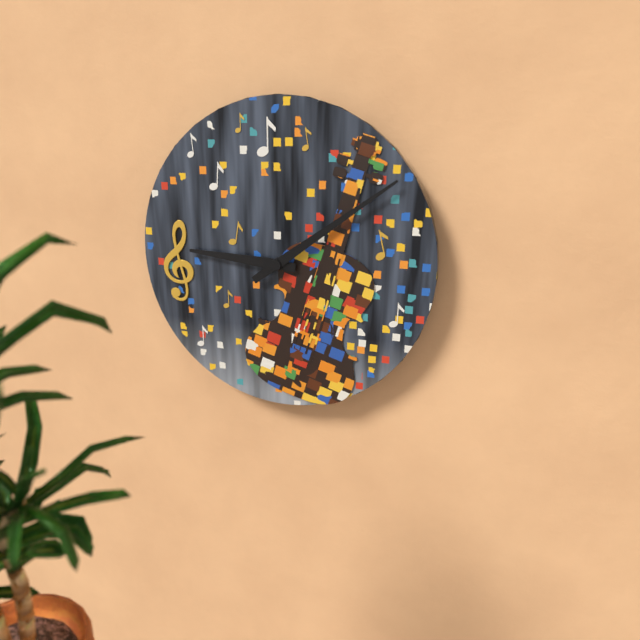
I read 9.09
